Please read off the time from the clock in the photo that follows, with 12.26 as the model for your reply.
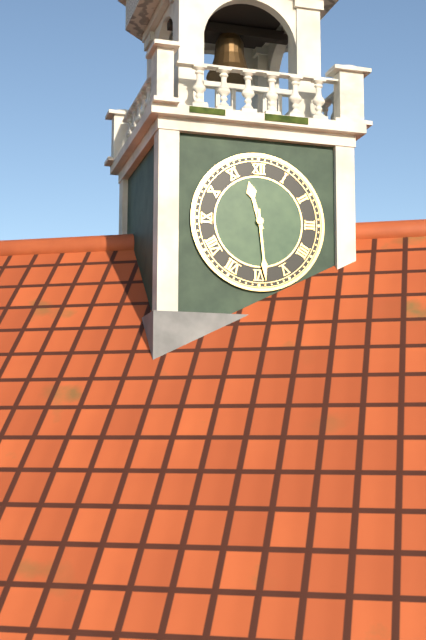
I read 11.29
